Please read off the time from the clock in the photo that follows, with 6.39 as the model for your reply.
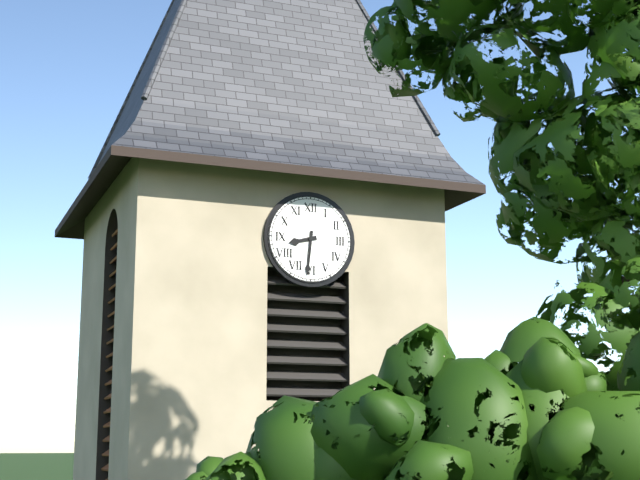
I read 8.31
